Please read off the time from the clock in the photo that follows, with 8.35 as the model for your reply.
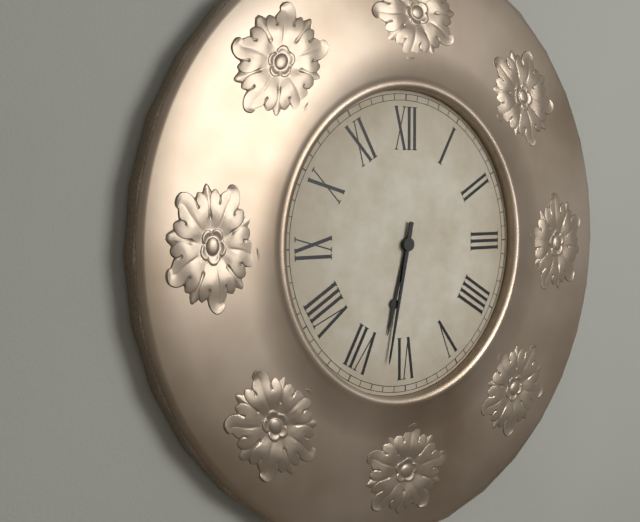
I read 6.32
